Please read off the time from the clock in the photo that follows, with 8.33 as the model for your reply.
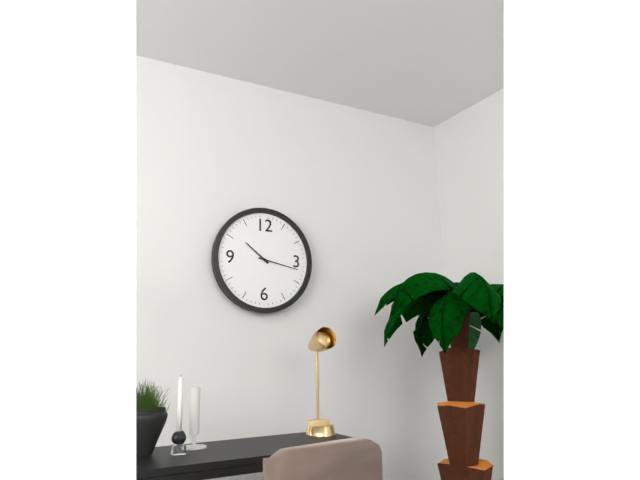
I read 10.17
